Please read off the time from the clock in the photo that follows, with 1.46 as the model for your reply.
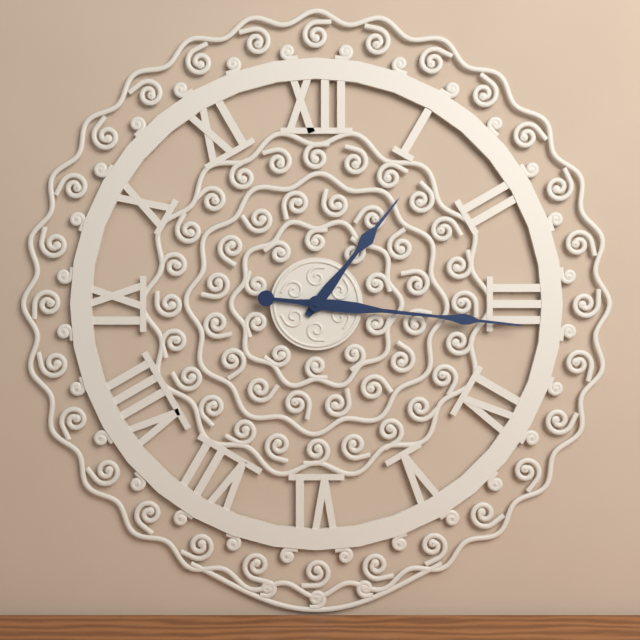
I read 1.16
